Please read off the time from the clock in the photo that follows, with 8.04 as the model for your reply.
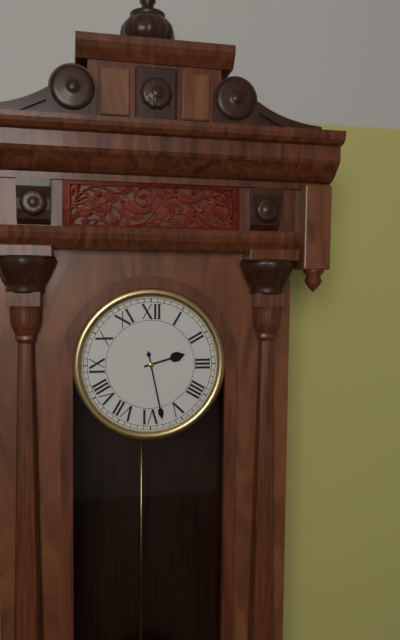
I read 2.28
